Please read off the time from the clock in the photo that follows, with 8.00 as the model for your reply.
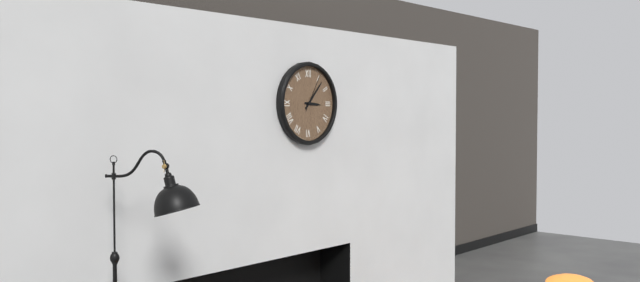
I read 3.07
